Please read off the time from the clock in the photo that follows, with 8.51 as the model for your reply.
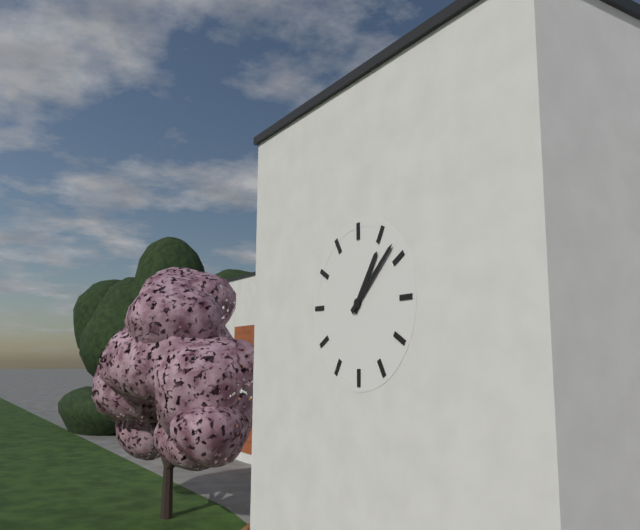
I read 1.08
